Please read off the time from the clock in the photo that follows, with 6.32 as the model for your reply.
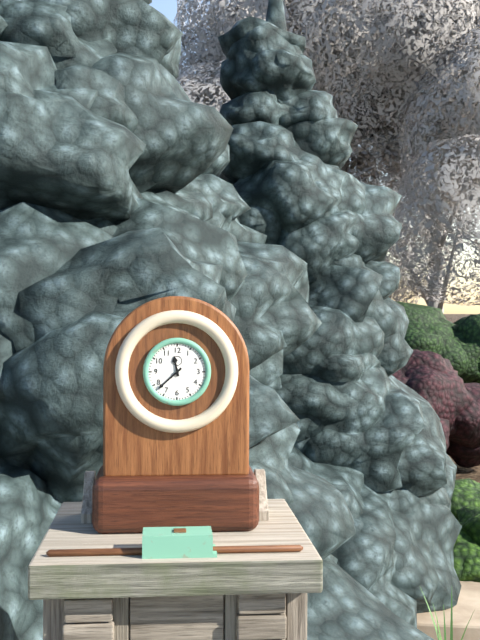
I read 11.38
